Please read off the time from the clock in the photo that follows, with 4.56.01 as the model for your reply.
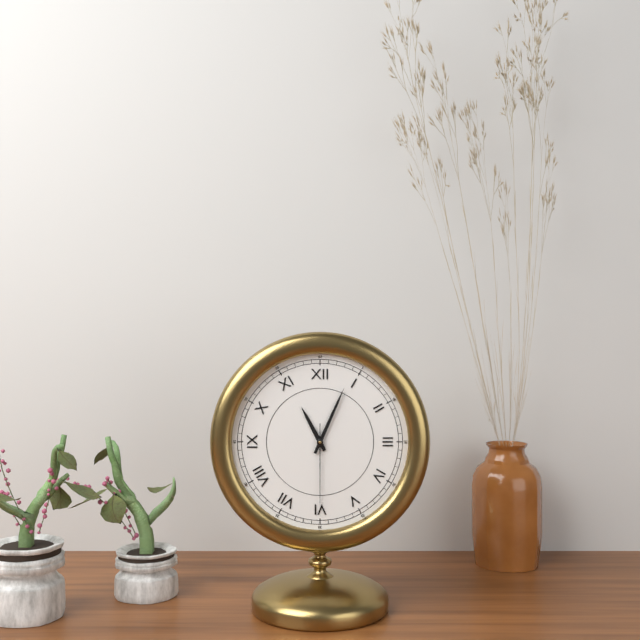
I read 11.04.30
